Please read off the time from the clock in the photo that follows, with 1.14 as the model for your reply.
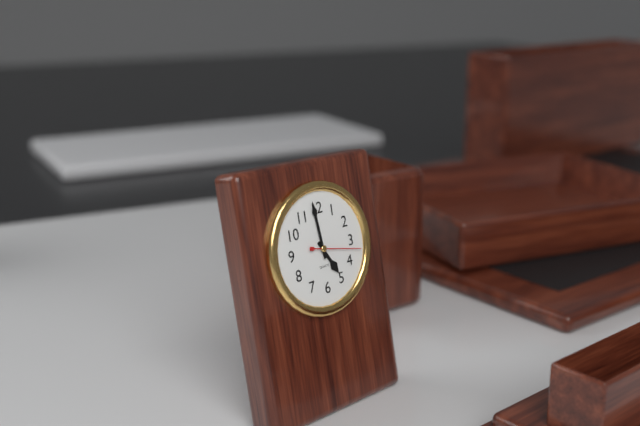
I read 4.59
